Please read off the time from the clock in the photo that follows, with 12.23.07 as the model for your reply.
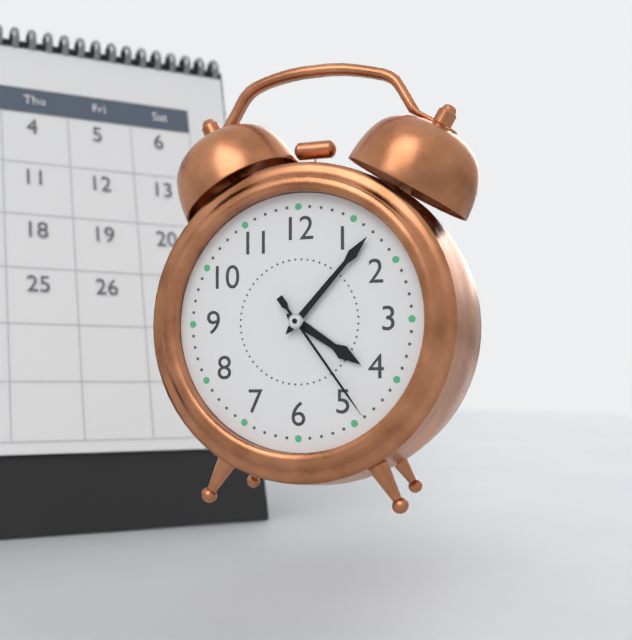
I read 4.07.24
